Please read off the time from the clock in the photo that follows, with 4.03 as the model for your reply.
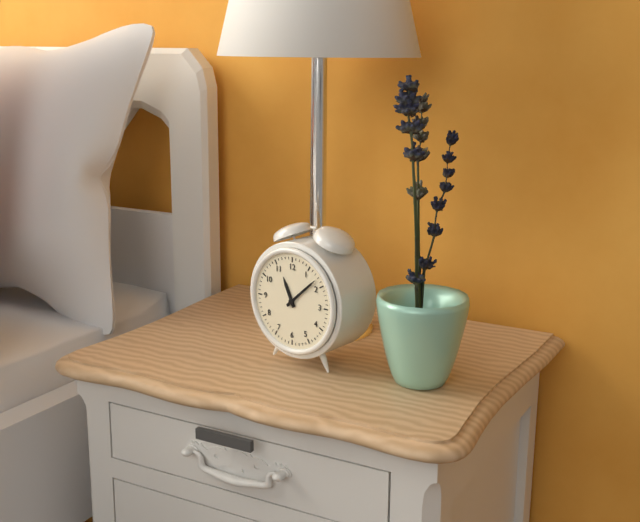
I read 11.08
